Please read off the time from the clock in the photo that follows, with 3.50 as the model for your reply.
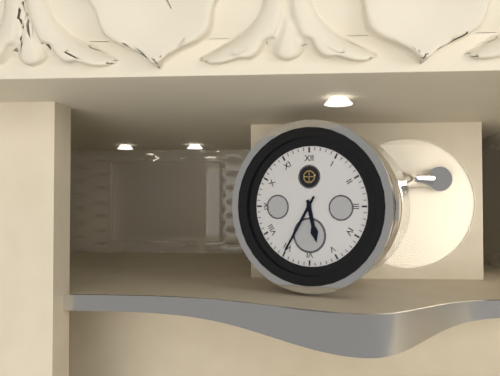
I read 5.35
